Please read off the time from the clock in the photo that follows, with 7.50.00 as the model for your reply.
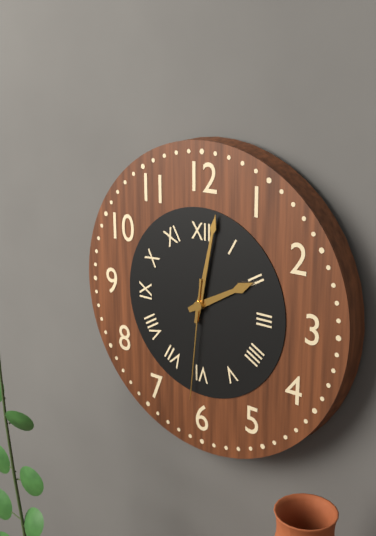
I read 2.02.31
